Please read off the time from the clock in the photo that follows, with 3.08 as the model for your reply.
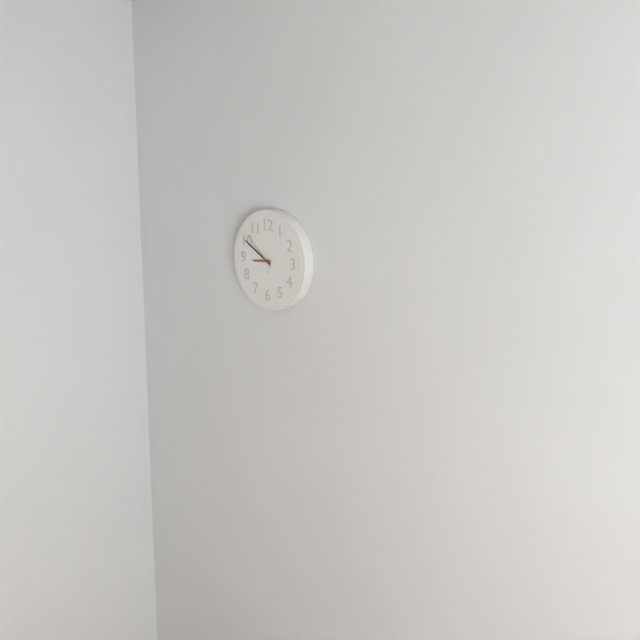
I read 8.50
